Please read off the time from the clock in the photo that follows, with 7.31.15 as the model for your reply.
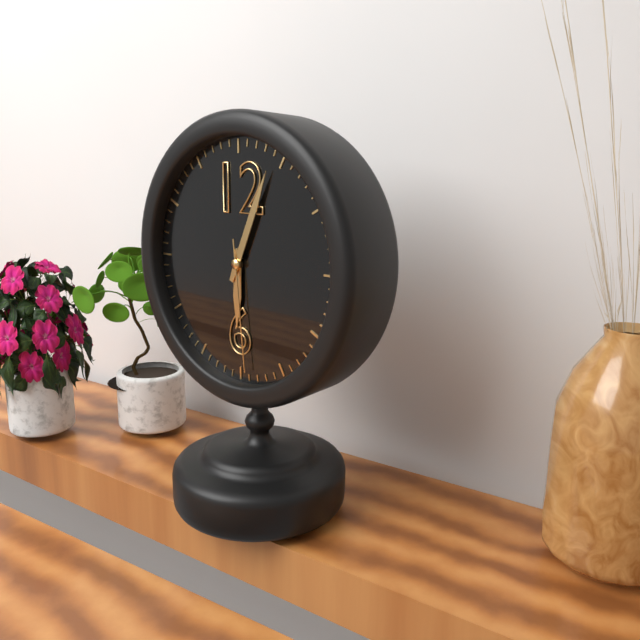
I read 6.04.29
